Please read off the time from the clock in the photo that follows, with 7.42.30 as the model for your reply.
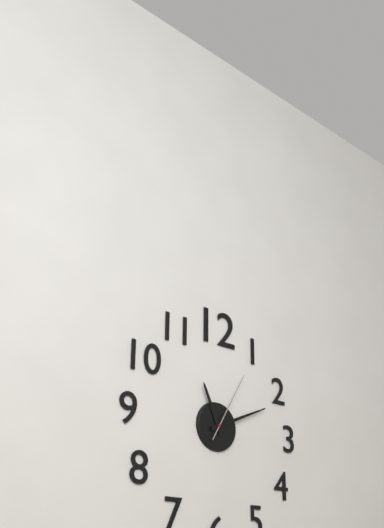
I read 11.11.05
